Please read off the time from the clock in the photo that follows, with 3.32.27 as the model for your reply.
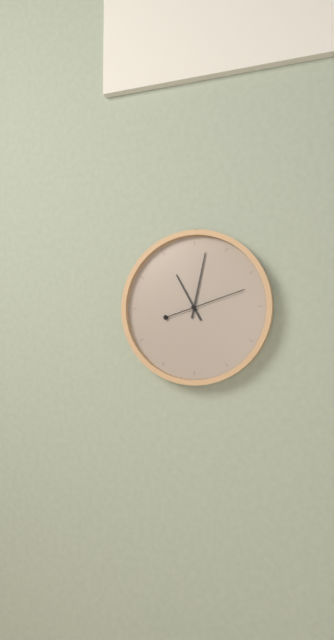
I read 11.02.12
